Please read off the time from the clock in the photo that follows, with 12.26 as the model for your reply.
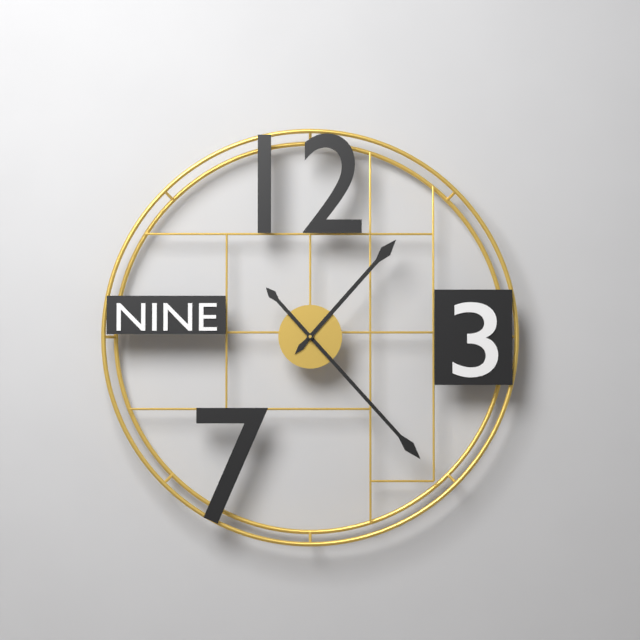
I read 1.23
